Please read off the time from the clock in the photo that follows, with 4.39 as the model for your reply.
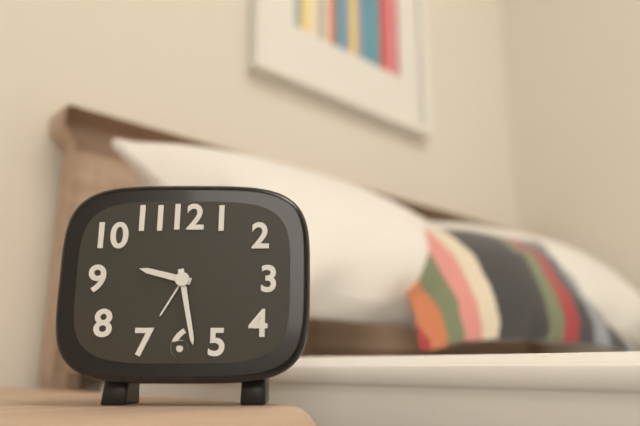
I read 9.28
